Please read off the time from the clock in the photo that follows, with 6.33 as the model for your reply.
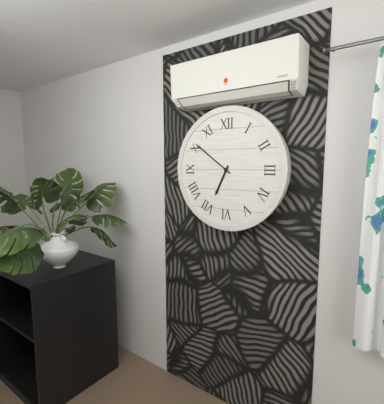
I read 6.51
